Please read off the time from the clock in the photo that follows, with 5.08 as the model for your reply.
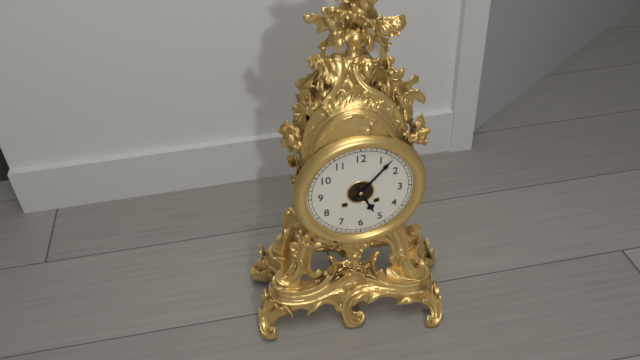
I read 5.07
